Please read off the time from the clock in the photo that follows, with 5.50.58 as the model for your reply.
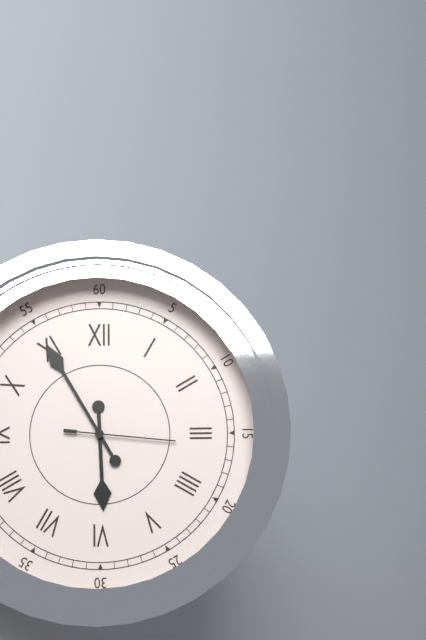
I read 5.55.16
